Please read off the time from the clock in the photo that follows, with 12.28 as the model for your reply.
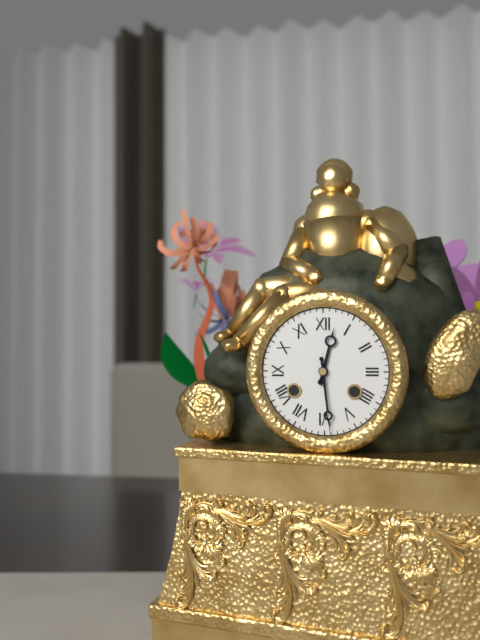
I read 12.29
